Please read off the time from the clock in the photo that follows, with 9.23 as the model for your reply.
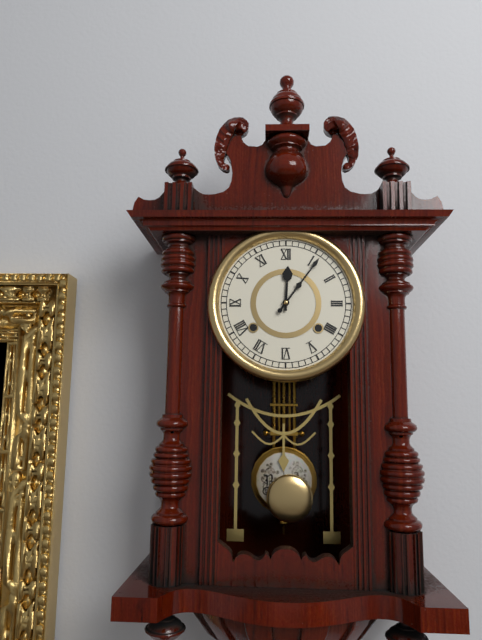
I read 12.06
